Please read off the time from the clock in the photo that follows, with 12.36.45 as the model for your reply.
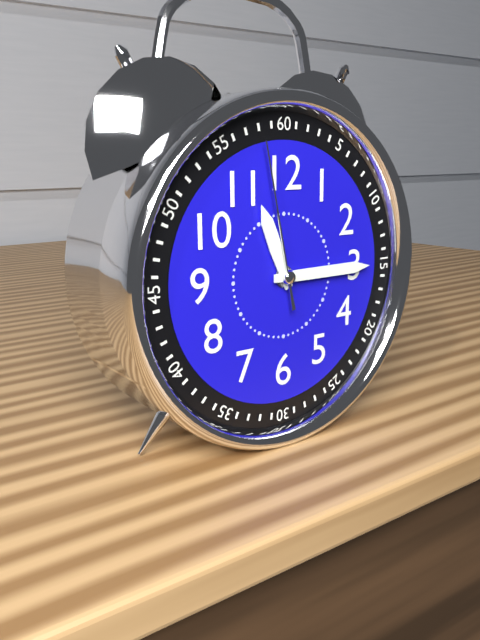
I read 11.15.58
